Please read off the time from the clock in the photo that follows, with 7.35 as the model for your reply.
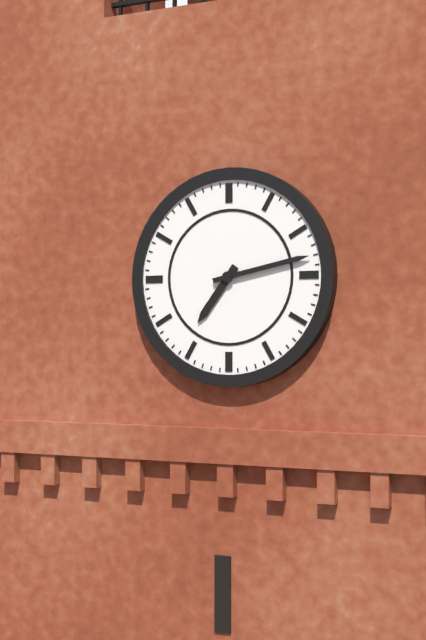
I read 7.13
